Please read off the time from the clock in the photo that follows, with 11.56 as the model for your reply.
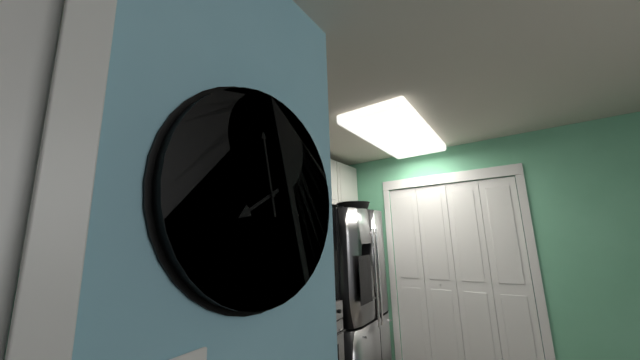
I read 7.58
